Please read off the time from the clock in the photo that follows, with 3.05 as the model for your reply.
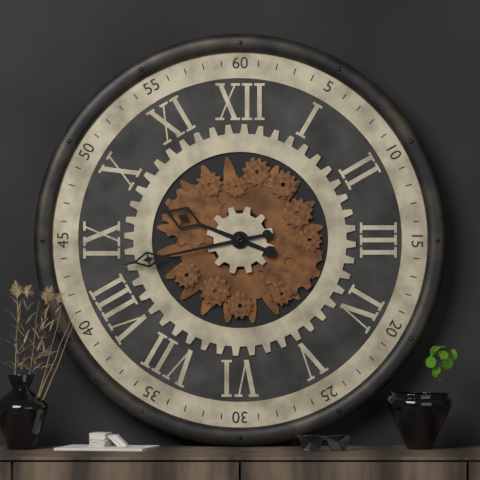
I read 9.43
